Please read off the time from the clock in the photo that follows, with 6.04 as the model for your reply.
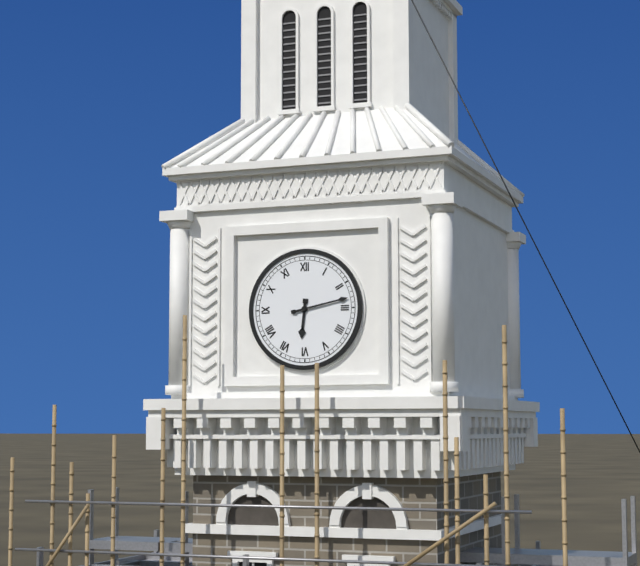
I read 6.13
